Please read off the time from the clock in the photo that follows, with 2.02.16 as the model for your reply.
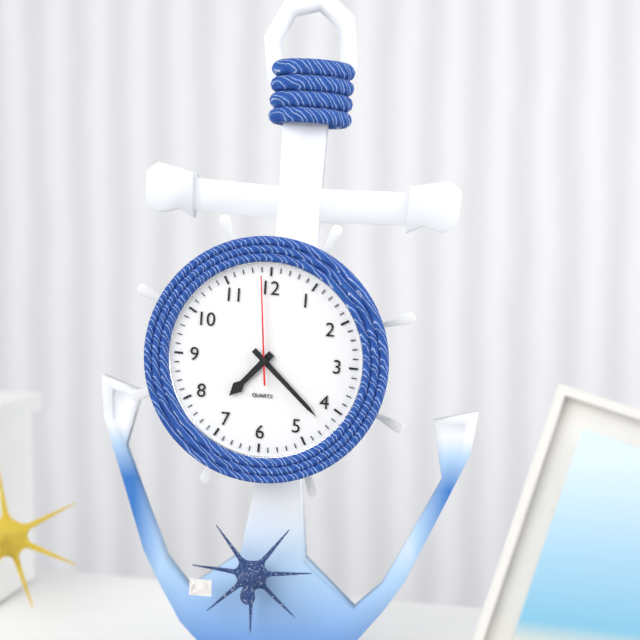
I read 7.22.59
